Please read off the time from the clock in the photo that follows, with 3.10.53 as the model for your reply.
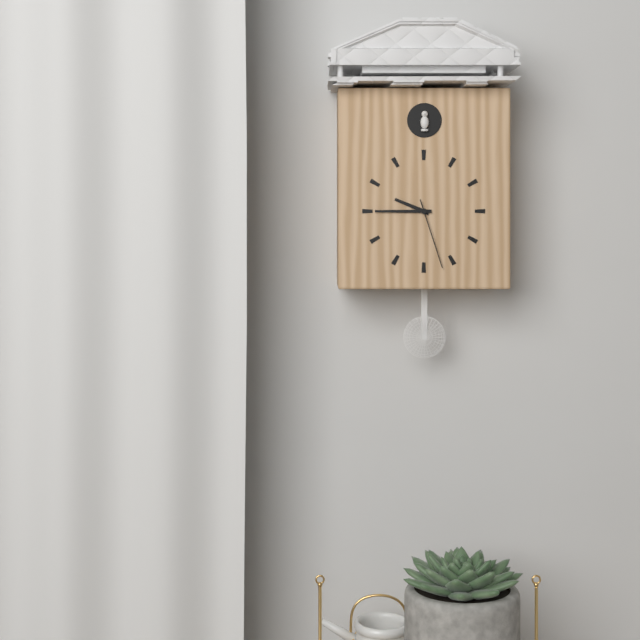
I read 9.45.27
